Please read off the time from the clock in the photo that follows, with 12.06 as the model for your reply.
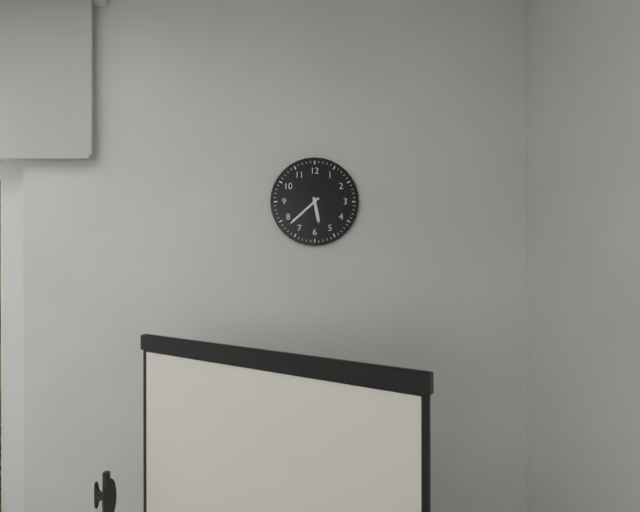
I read 5.38
